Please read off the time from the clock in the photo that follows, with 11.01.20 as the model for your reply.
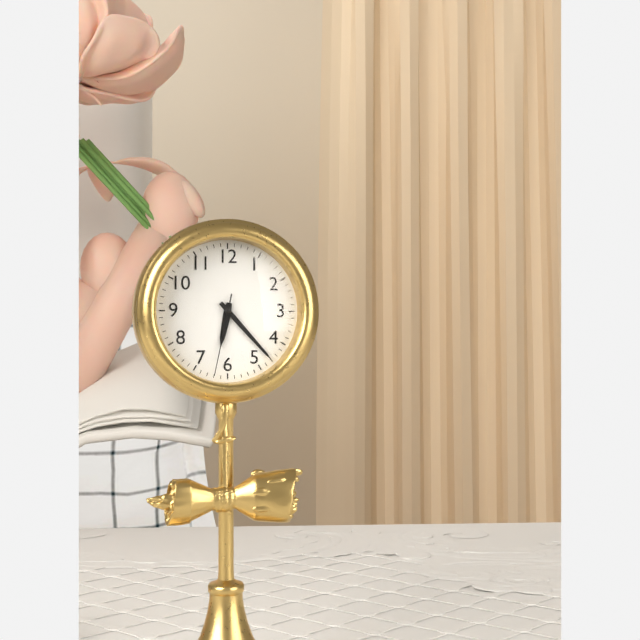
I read 6.23.32
